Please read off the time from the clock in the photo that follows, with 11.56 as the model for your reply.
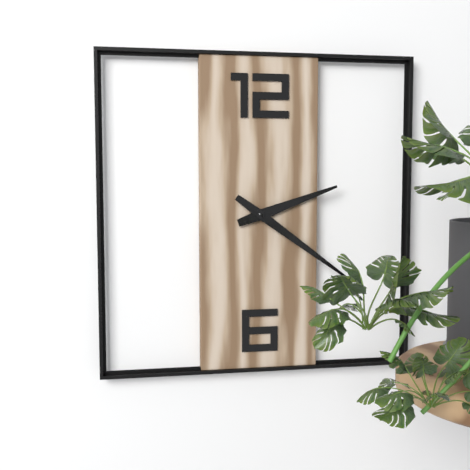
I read 2.21
